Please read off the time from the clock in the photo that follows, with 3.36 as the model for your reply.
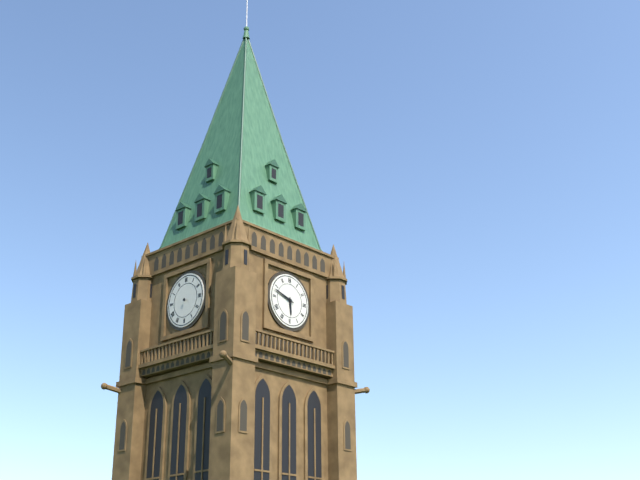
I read 5.48
